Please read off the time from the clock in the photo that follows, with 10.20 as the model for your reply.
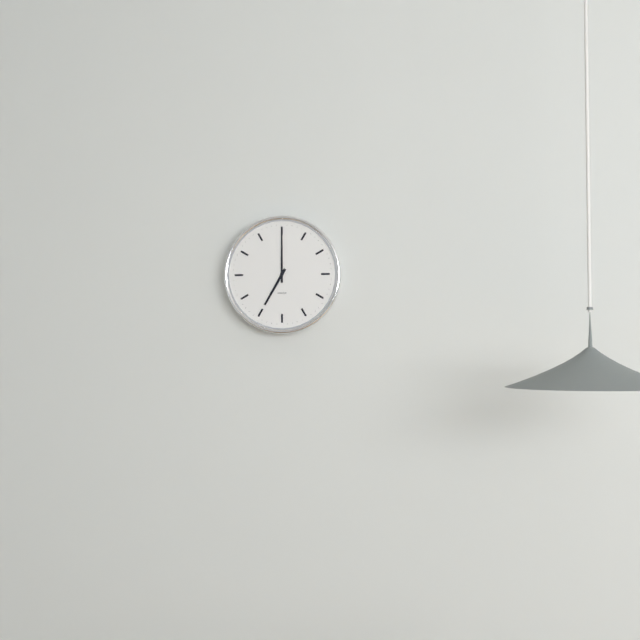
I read 7.00
